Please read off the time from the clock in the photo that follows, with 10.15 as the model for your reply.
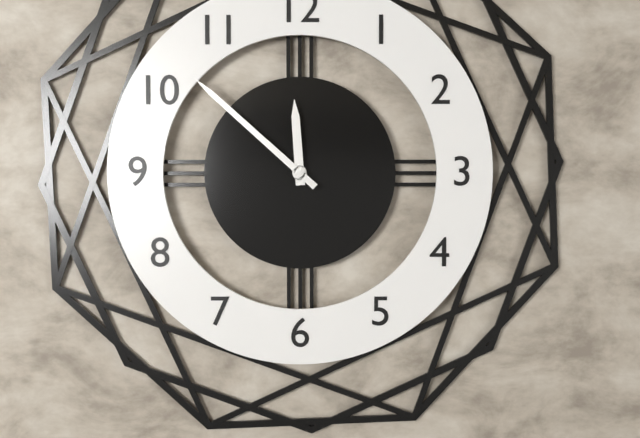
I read 11.52
